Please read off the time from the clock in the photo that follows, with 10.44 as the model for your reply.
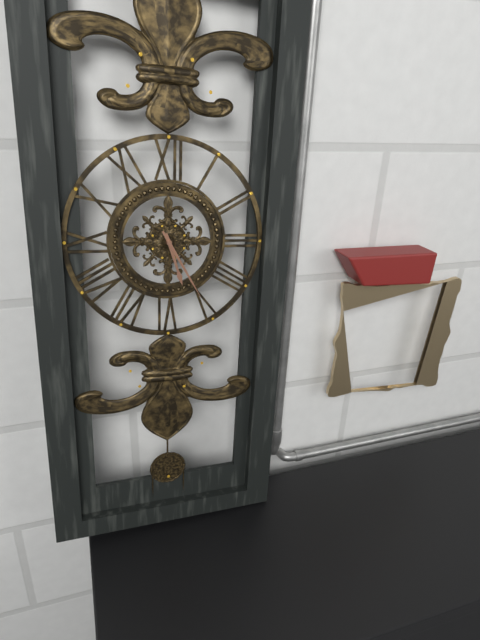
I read 5.25
